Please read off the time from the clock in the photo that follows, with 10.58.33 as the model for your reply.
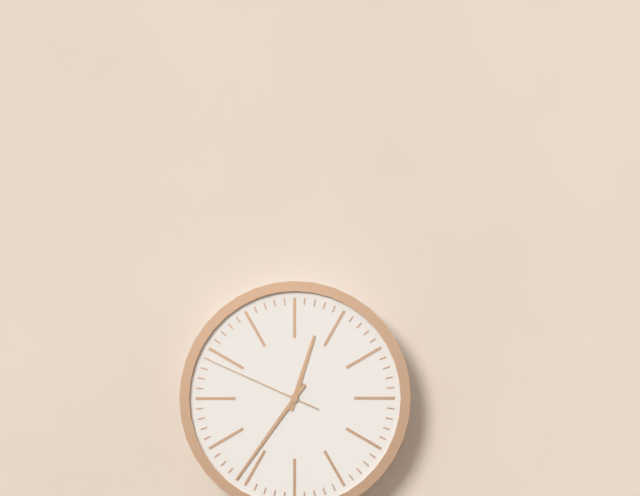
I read 12.36.49
